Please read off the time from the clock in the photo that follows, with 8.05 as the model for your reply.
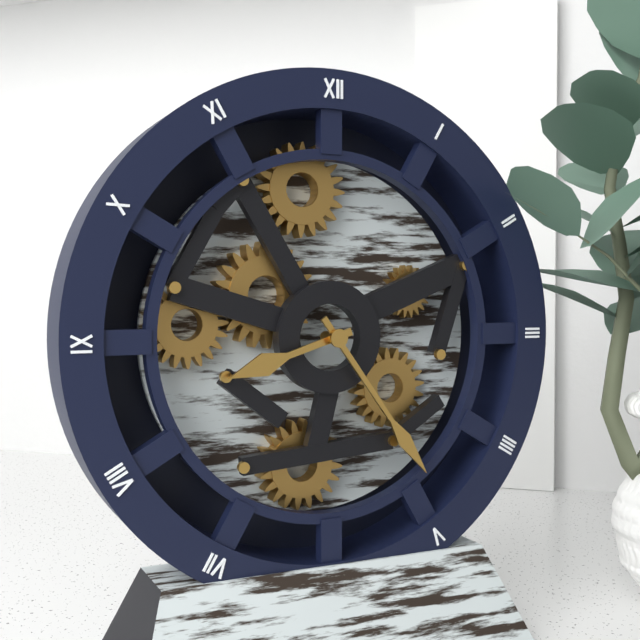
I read 8.24
